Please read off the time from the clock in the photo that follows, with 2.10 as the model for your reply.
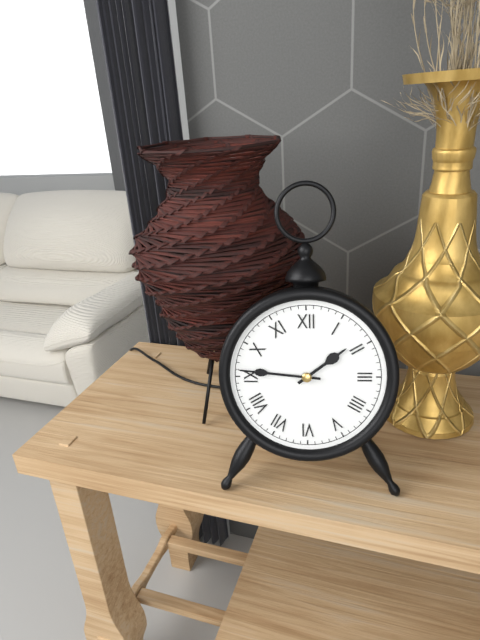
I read 1.46
